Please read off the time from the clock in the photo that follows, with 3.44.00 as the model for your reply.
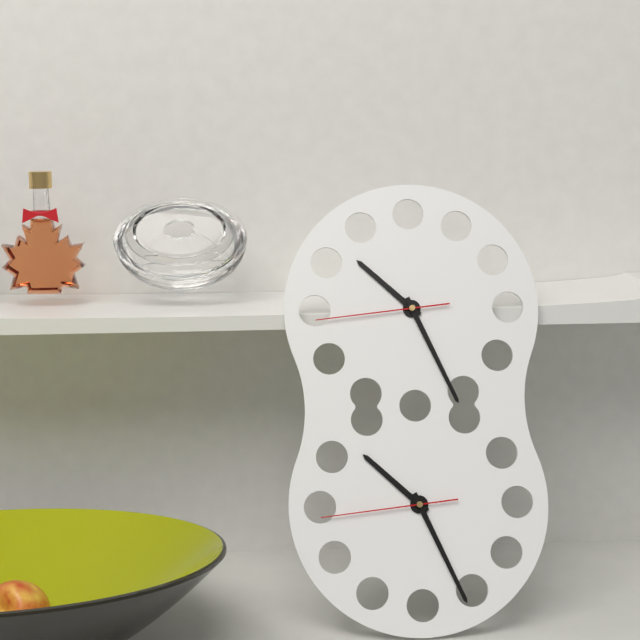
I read 10.26.44
